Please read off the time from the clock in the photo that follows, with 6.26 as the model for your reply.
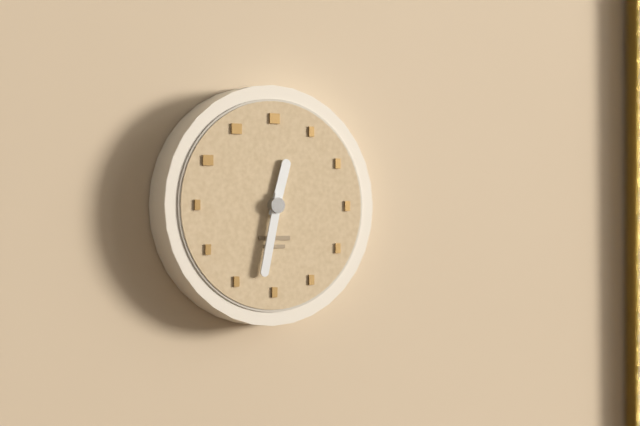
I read 12.32
